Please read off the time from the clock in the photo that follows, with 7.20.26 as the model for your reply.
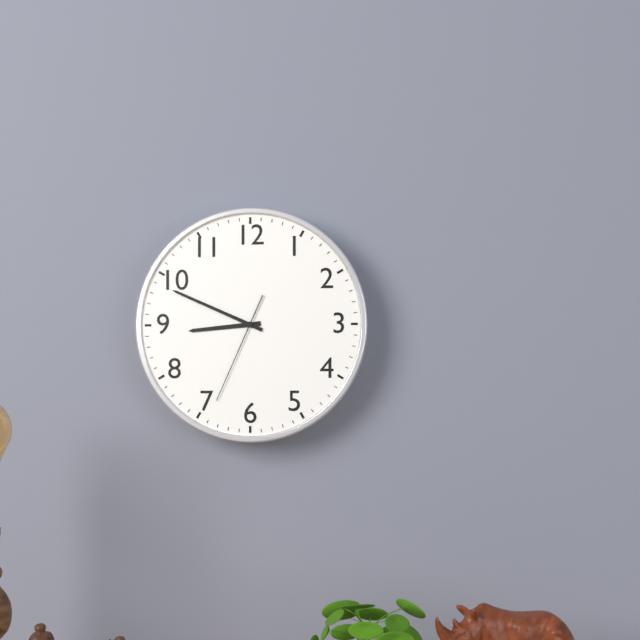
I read 8.49.34
